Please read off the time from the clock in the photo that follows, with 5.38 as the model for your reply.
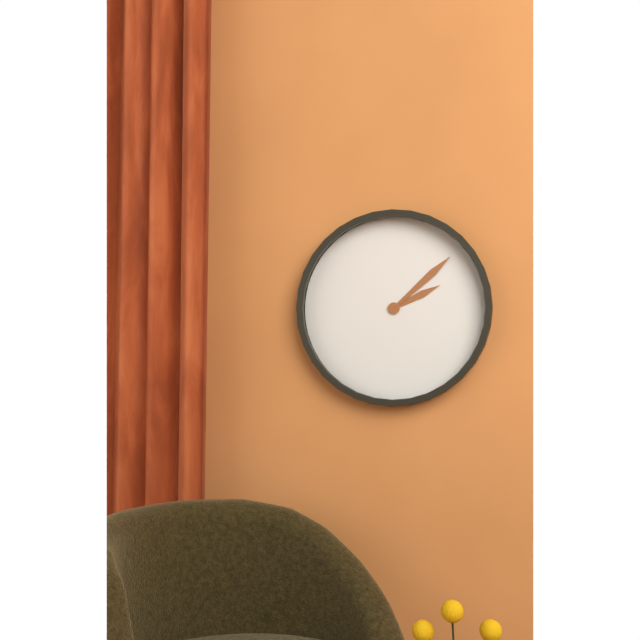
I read 2.08
